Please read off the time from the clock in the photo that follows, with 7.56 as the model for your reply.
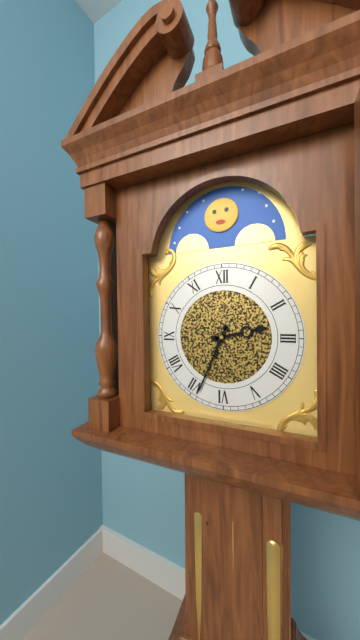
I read 2.34
